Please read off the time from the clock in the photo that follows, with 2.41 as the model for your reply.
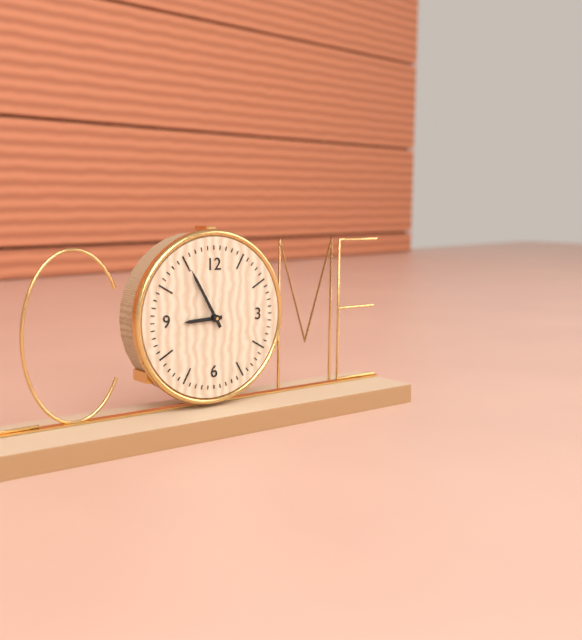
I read 8.55
